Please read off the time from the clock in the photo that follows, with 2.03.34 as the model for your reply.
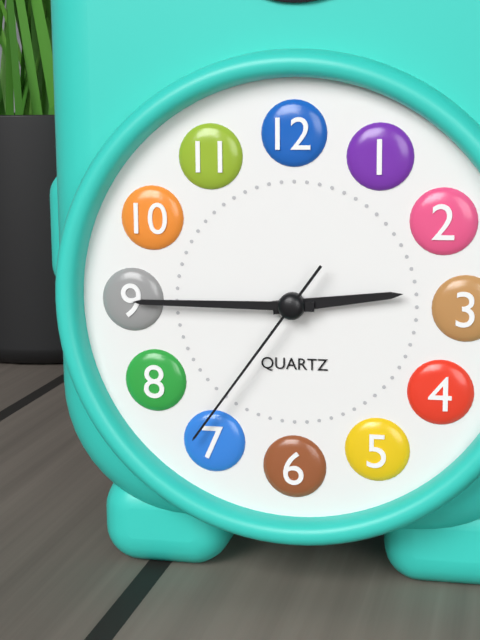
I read 2.45.36
